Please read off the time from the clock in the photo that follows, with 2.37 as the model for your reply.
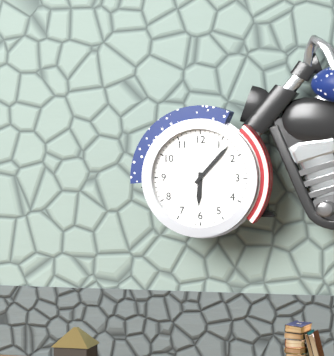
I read 6.07
